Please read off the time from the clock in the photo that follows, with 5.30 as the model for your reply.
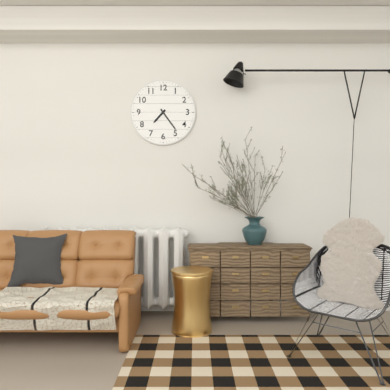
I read 7.24
